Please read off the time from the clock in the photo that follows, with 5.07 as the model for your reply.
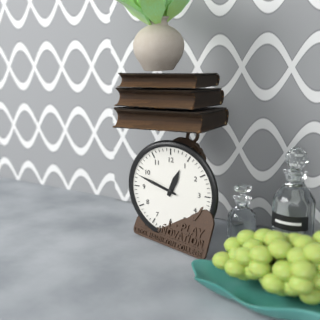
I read 12.48
